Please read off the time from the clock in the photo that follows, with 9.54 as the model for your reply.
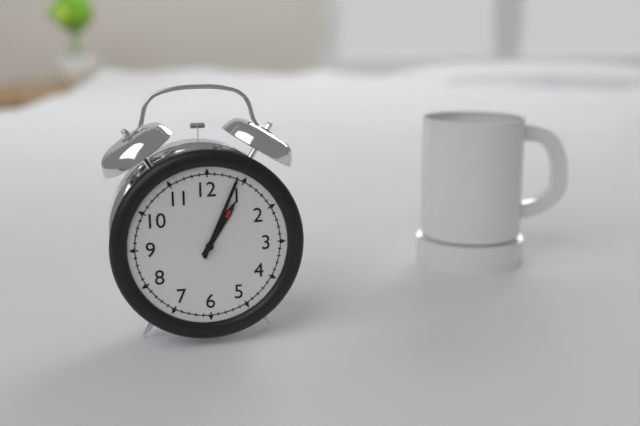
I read 1.04
